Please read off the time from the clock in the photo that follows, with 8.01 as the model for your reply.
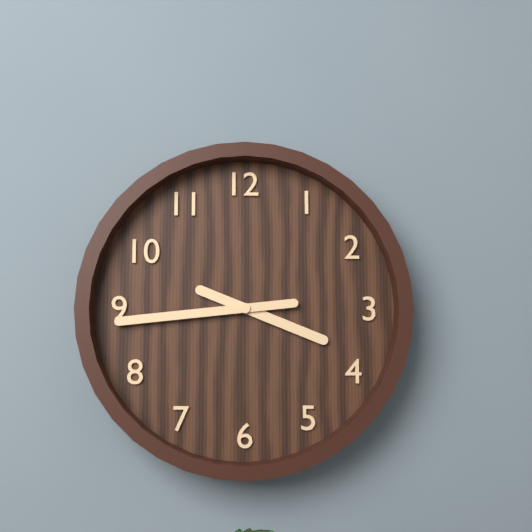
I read 3.44
